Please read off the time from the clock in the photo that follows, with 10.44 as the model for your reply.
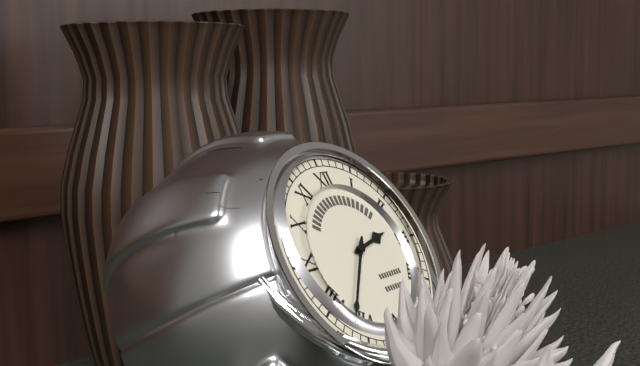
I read 2.37
